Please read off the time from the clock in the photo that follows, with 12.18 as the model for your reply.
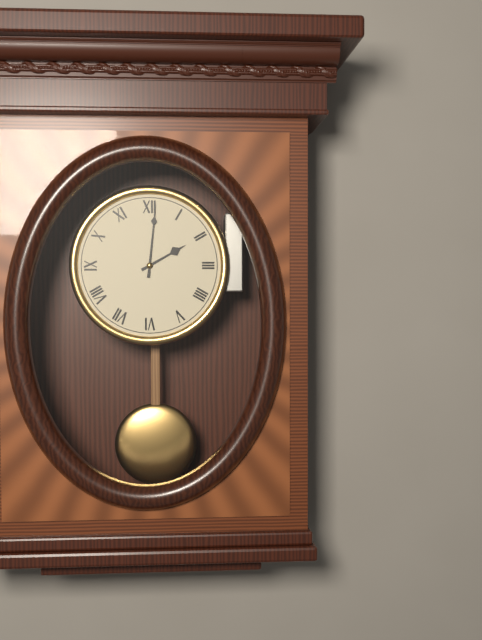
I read 2.01
